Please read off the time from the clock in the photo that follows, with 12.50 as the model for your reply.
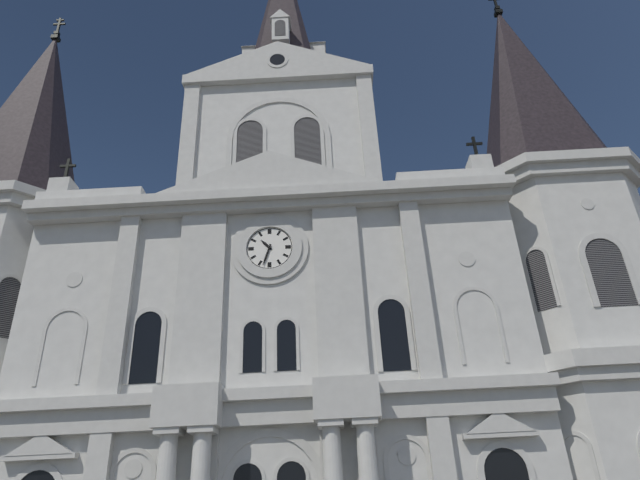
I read 10.33
